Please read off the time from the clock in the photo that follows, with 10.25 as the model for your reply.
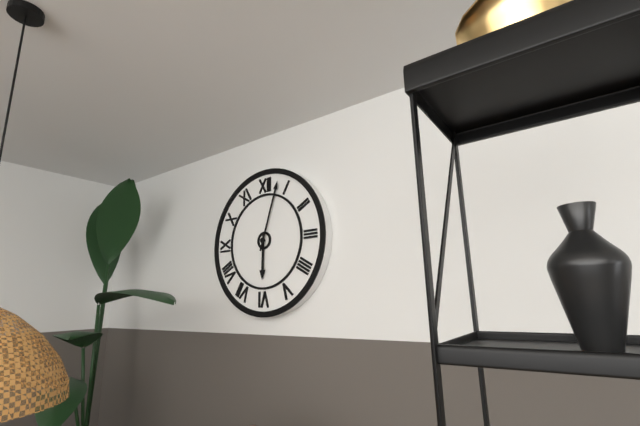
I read 6.03
